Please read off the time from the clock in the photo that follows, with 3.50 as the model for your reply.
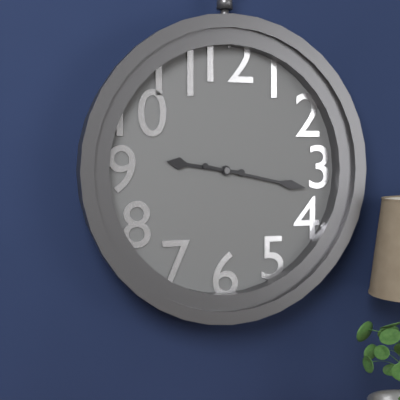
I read 9.17
